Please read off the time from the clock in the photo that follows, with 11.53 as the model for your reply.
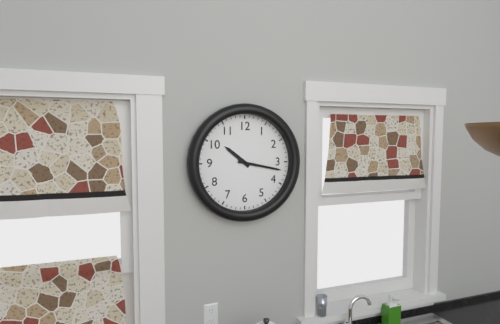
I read 10.17
